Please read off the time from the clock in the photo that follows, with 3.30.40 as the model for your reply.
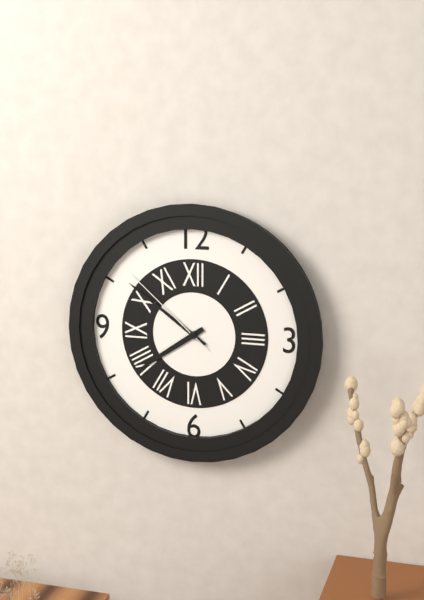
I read 7.51.52
